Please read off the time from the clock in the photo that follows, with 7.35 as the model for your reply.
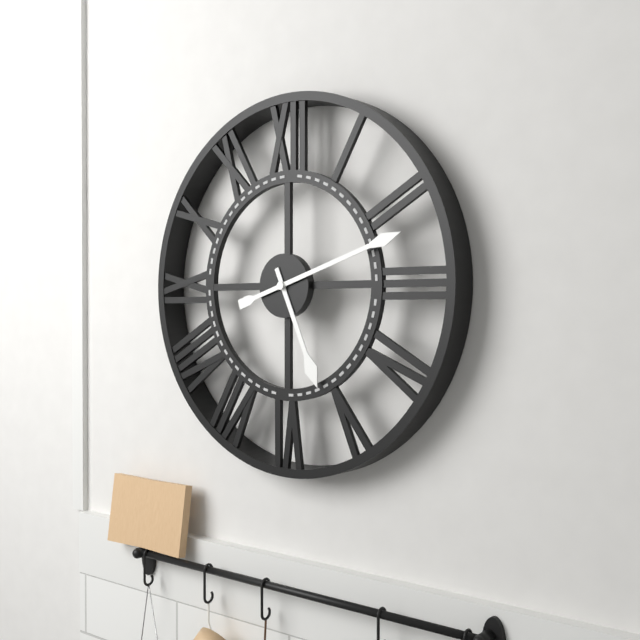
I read 5.12
